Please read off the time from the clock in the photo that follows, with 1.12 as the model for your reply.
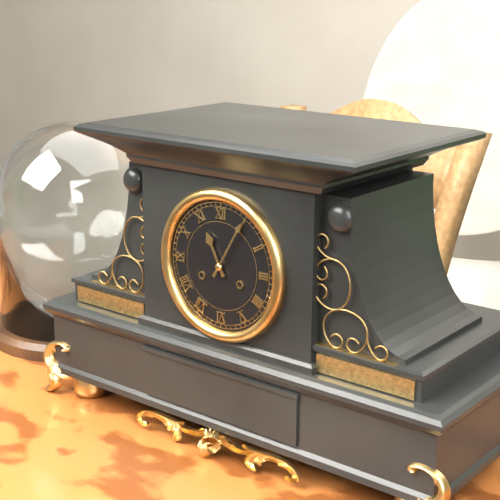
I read 11.05
